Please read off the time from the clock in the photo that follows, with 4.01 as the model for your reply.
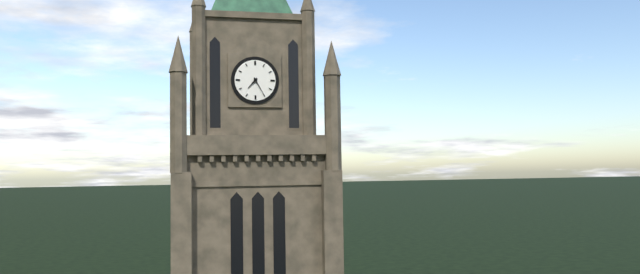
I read 7.25
